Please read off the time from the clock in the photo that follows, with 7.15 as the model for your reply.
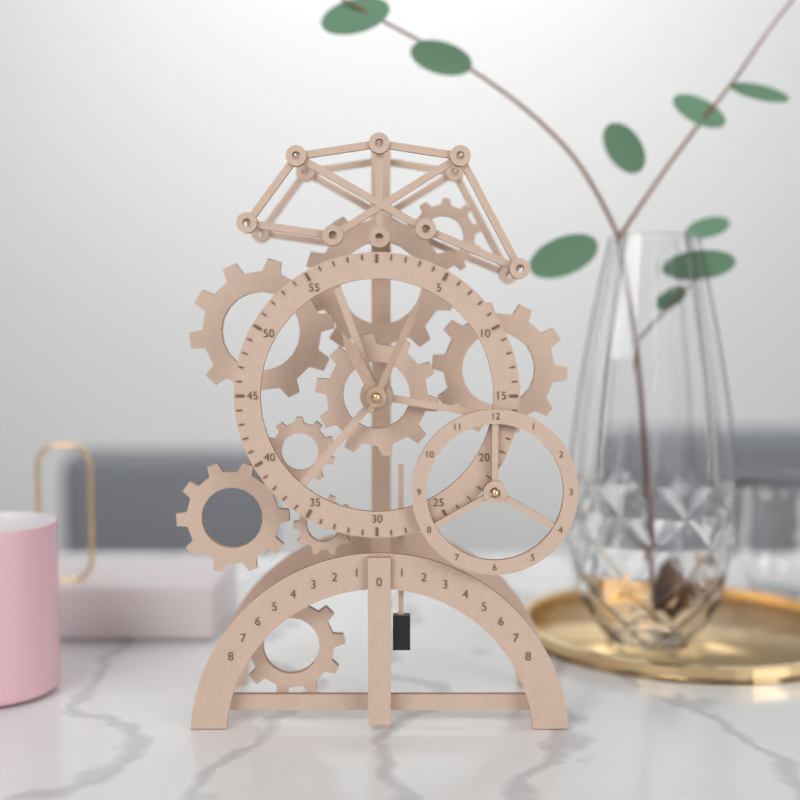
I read 11.04
